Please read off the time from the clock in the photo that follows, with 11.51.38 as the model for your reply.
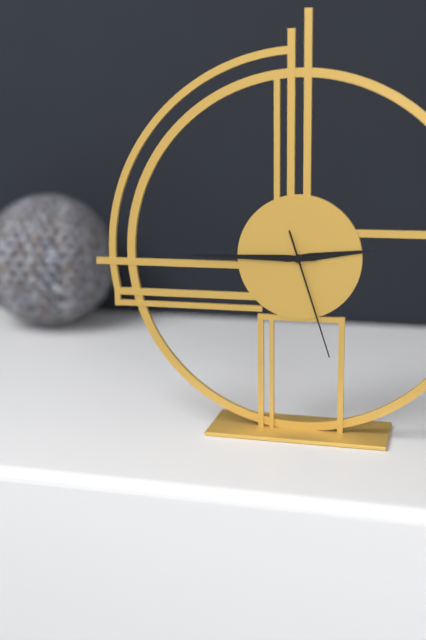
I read 2.45.27
